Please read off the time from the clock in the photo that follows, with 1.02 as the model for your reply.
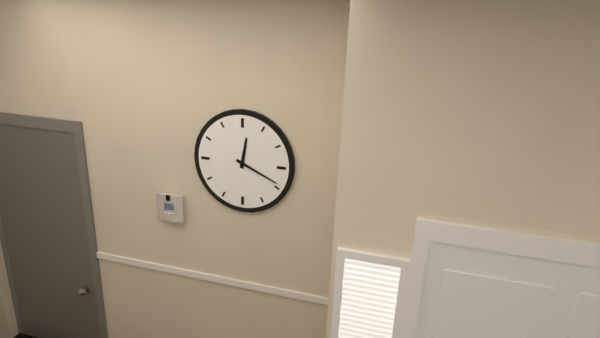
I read 12.19
